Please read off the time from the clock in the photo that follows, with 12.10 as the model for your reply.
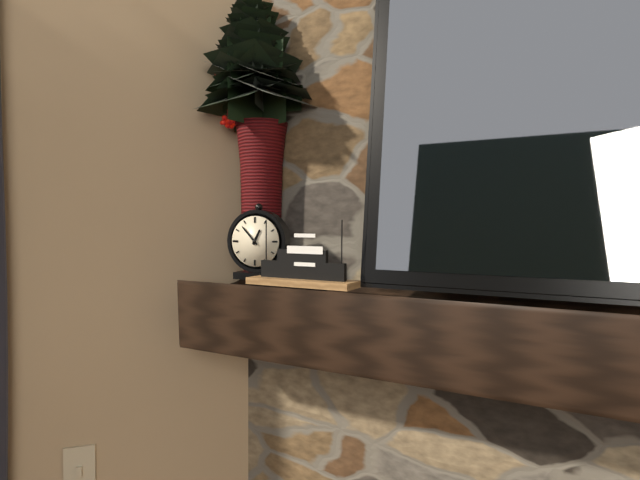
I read 12.53
